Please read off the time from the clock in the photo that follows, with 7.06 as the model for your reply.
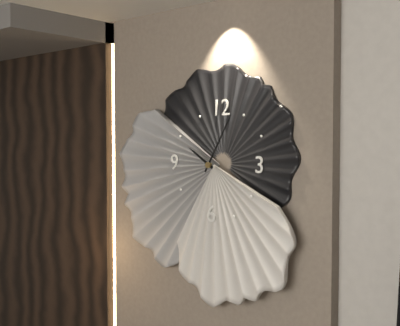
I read 10.05
